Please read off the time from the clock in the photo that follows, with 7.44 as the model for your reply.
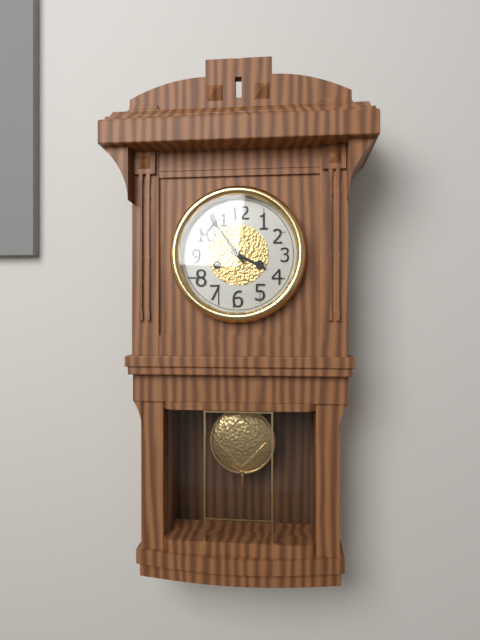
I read 3.54
